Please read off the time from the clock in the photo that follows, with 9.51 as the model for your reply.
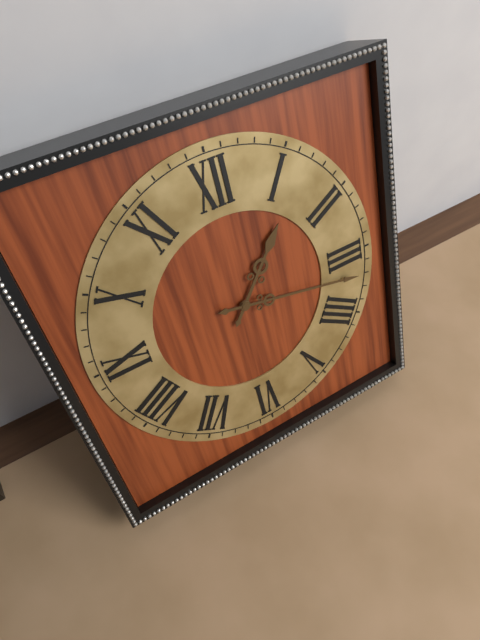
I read 1.17
